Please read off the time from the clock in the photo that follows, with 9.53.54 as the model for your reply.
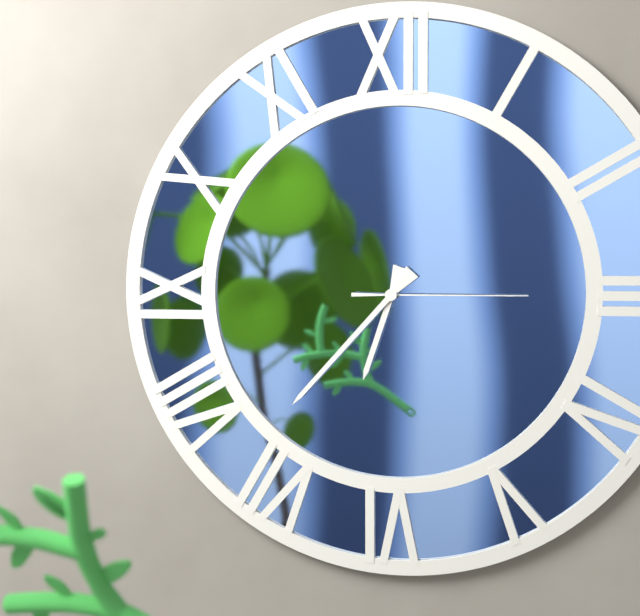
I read 6.37.15
